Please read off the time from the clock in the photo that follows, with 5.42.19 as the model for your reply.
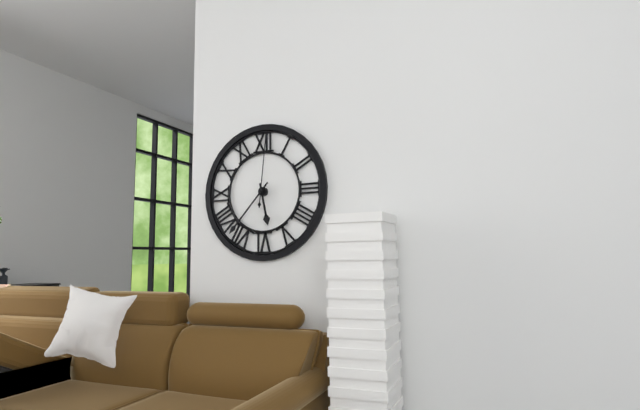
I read 5.37.01
